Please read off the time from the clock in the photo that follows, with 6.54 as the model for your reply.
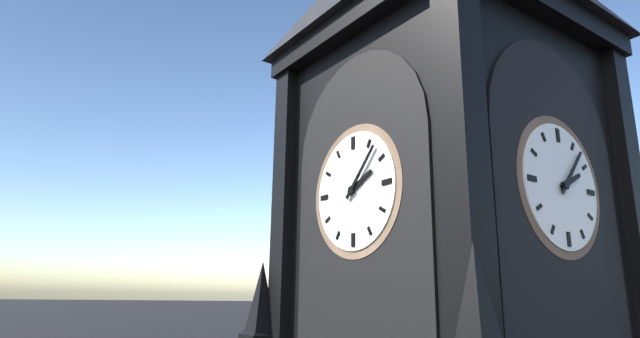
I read 2.07
